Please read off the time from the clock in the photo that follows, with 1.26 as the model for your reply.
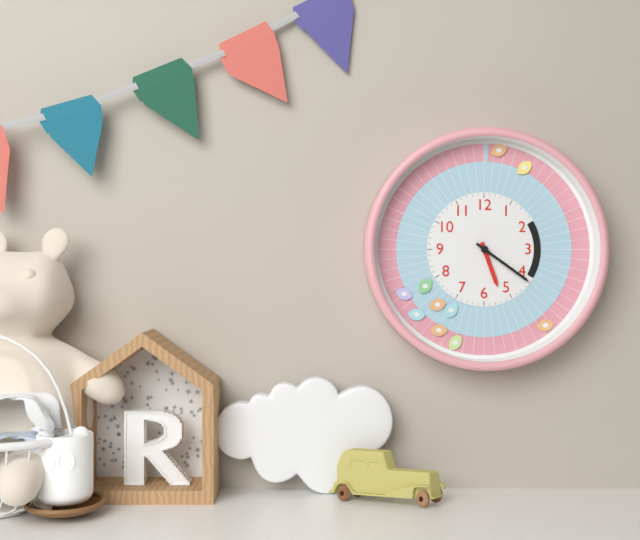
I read 5.21
